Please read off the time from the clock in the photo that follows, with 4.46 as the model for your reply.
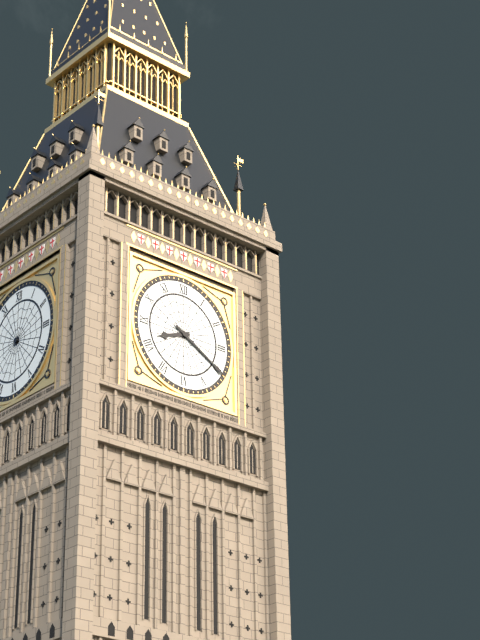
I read 8.20
